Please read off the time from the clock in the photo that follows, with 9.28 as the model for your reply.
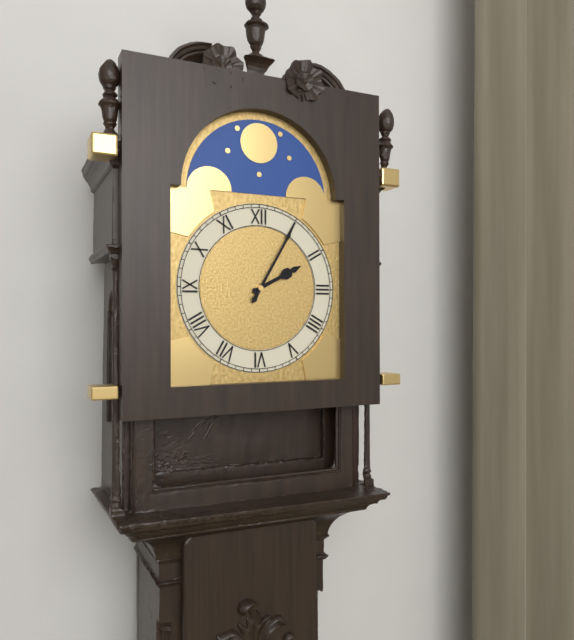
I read 2.05
